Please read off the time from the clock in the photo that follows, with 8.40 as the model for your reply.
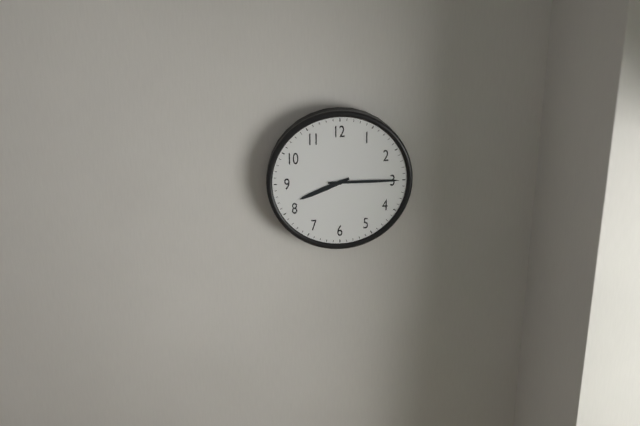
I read 8.15
